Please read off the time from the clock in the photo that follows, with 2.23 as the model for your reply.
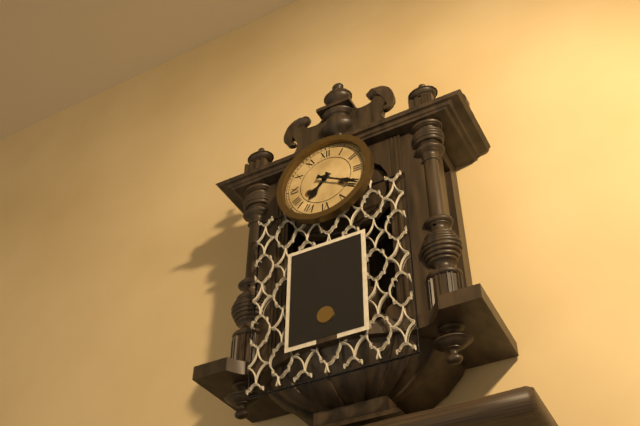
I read 7.20
